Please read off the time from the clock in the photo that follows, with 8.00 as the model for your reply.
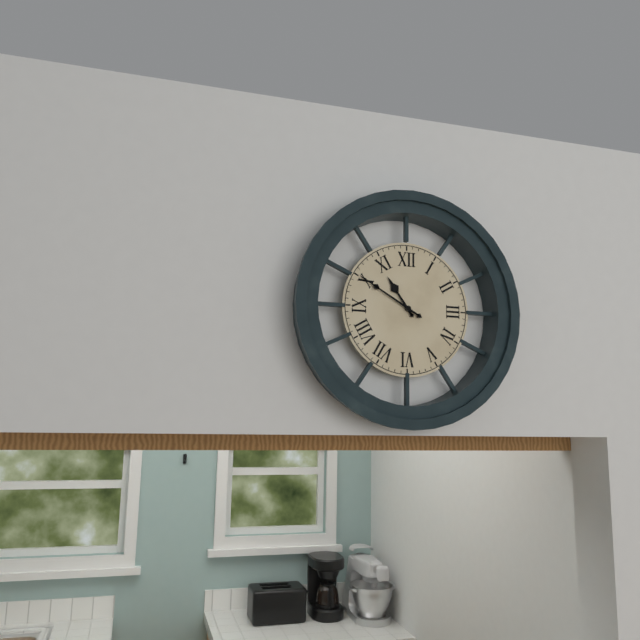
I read 10.50
